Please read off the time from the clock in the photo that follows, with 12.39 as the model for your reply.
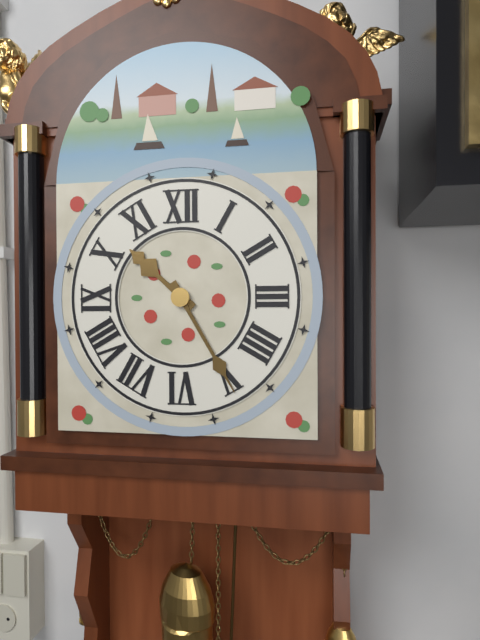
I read 10.25
